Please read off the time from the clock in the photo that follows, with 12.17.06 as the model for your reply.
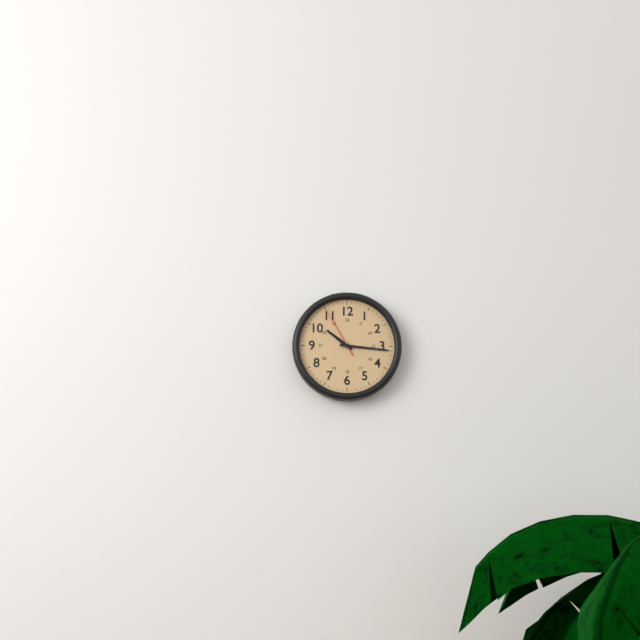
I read 10.16.55
